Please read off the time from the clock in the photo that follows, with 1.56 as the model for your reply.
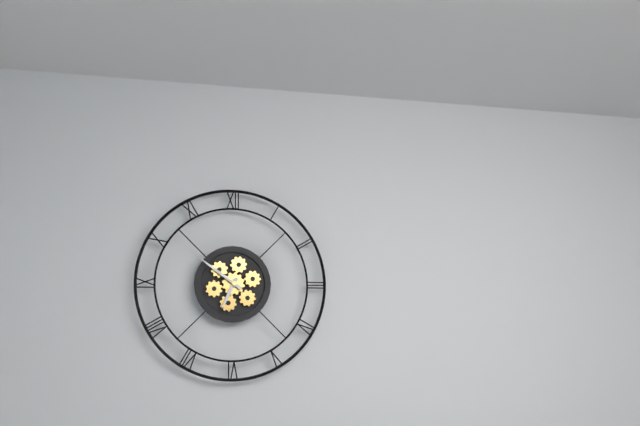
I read 6.51
